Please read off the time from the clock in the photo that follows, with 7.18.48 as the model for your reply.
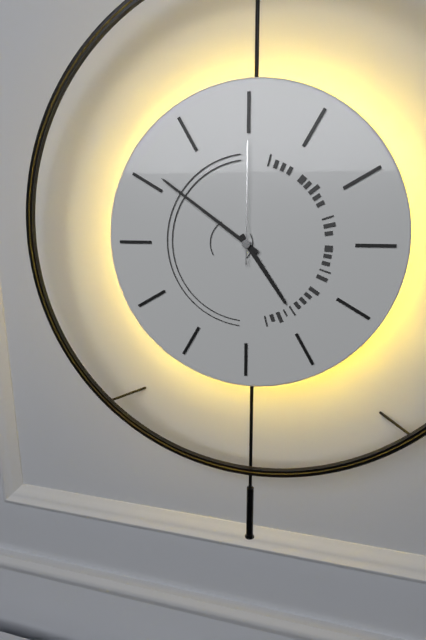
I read 4.51.00
